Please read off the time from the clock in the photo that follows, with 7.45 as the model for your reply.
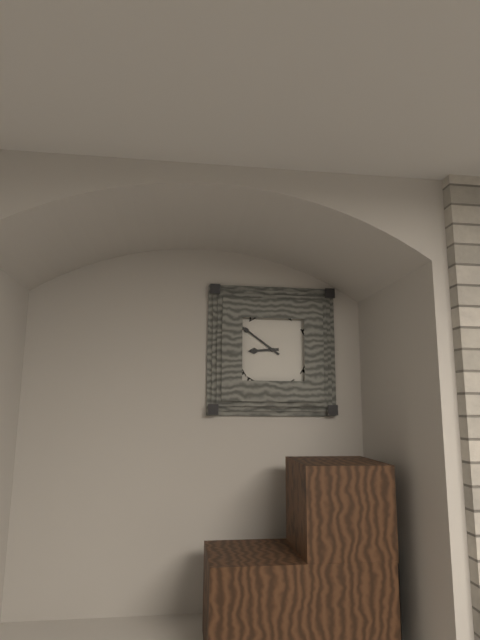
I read 8.51
